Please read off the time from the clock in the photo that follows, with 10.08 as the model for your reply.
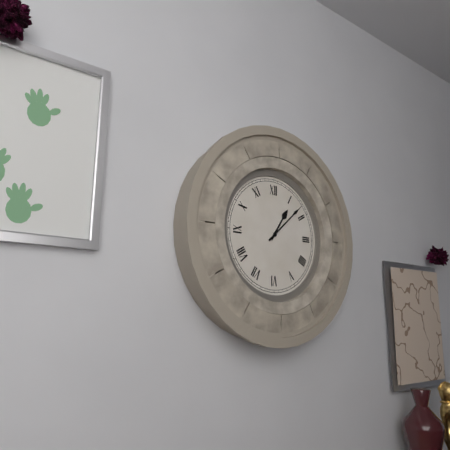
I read 1.08
